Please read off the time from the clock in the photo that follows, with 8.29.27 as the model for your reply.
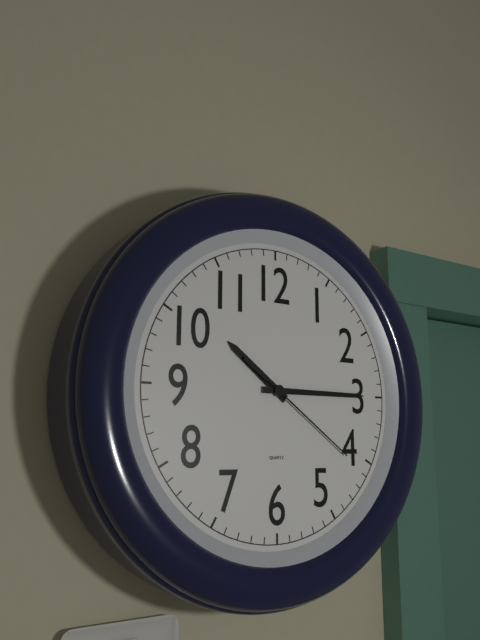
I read 10.15.21
